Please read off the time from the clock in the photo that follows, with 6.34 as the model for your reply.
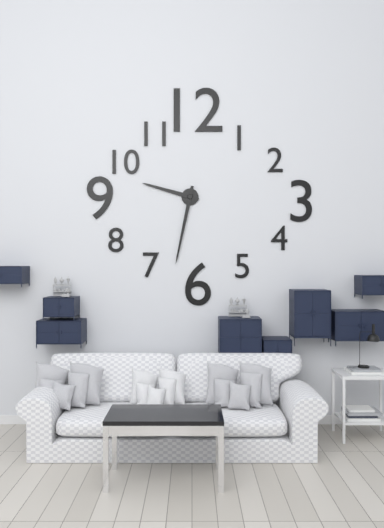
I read 9.32
